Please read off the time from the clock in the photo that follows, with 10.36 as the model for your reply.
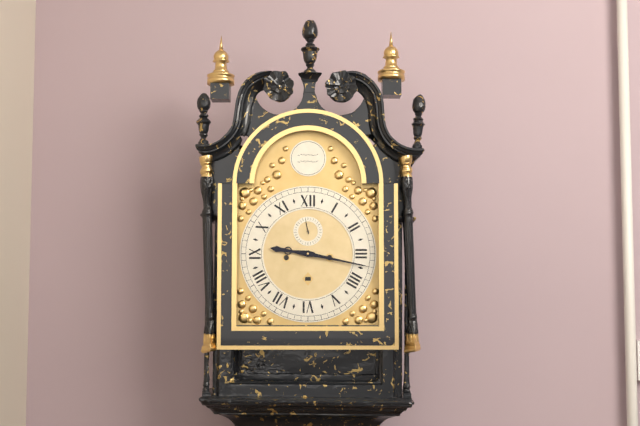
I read 9.17
